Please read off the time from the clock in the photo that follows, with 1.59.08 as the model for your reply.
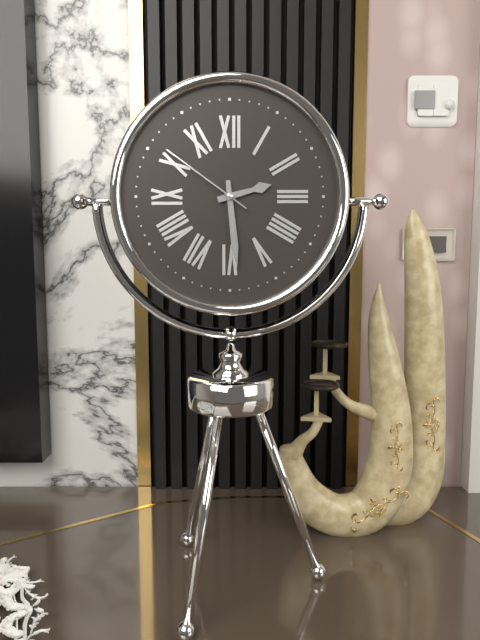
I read 2.29.51
